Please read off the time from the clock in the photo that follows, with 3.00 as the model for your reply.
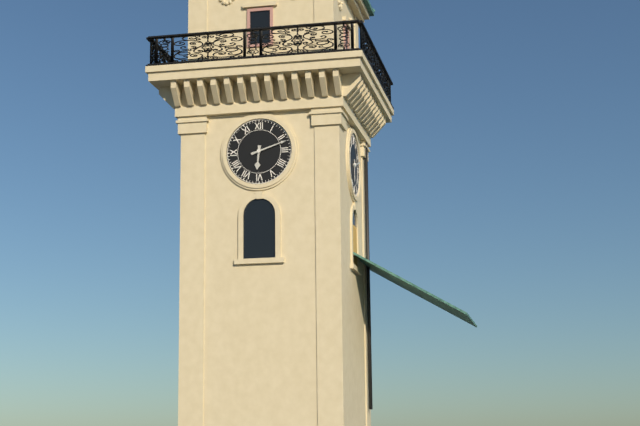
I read 6.12
